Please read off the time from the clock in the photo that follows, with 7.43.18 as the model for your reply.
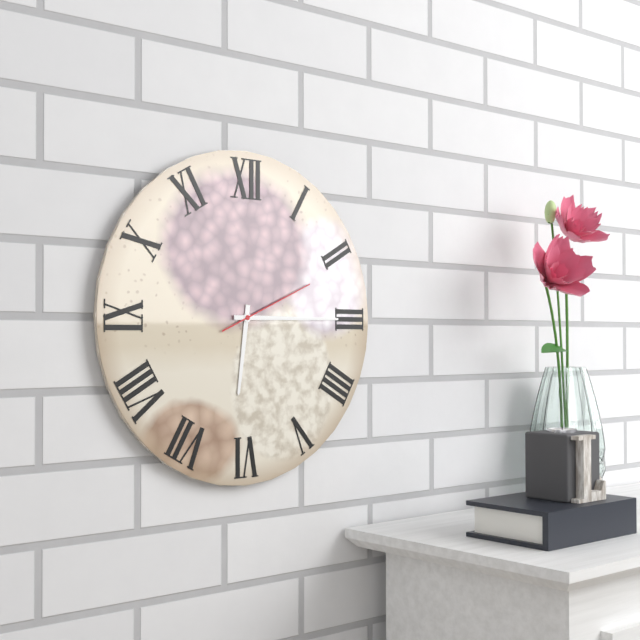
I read 6.15.11
